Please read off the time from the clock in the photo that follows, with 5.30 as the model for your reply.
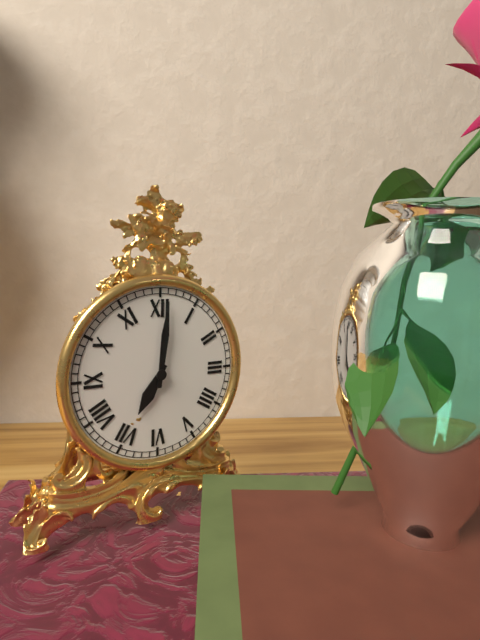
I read 7.01
